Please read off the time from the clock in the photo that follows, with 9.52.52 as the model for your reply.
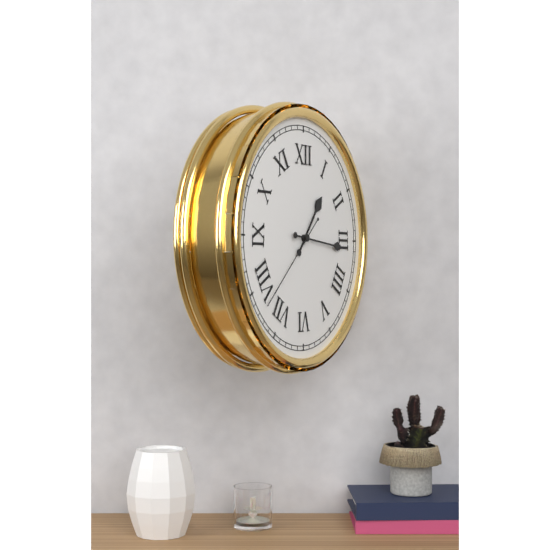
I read 1.16.38
